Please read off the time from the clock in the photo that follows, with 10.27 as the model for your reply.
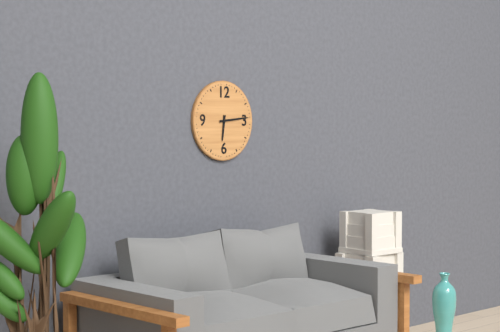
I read 6.14
